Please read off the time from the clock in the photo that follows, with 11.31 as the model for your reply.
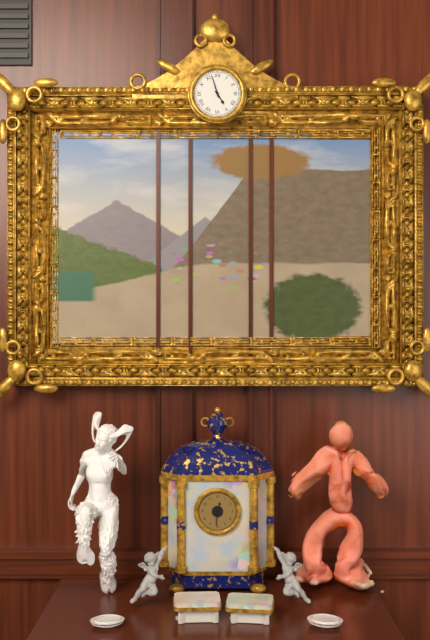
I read 4.57
